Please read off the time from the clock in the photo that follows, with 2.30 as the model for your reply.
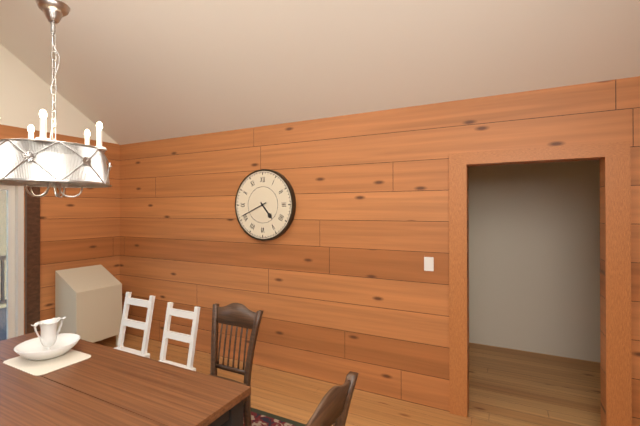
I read 4.41
